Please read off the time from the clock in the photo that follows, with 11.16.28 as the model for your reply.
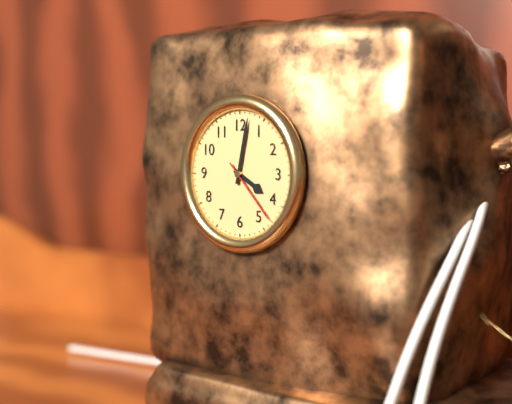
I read 4.02.23
